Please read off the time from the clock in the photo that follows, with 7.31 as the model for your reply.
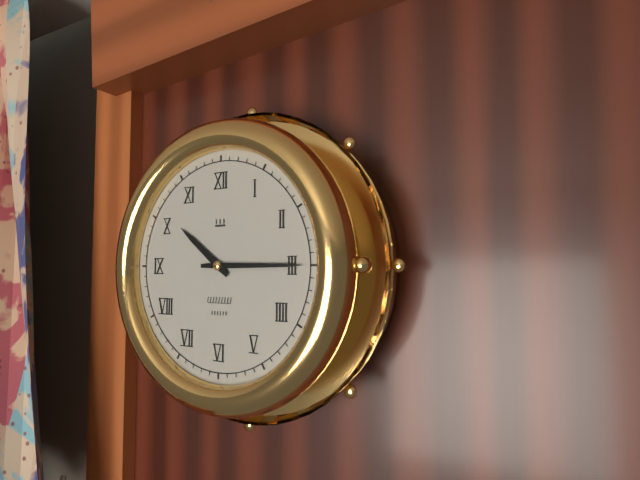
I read 10.15
